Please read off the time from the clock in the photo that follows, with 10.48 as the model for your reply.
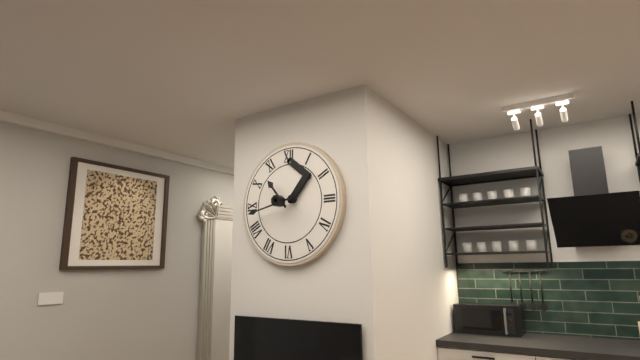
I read 10.43
